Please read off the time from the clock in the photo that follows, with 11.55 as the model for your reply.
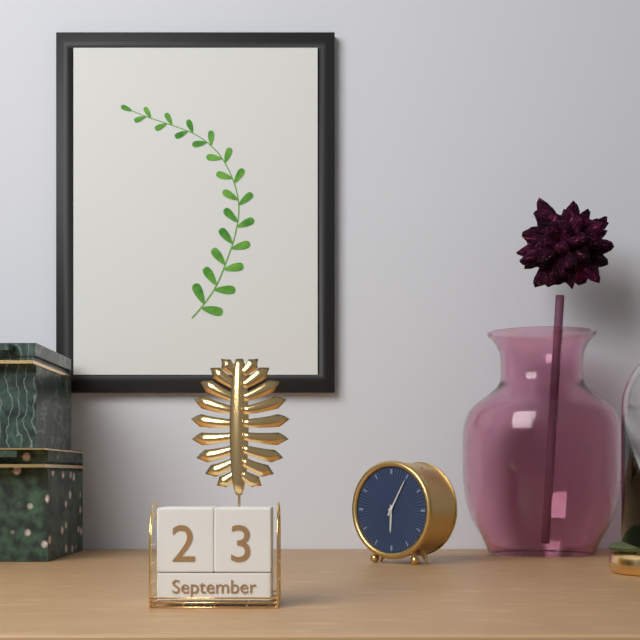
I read 6.05
